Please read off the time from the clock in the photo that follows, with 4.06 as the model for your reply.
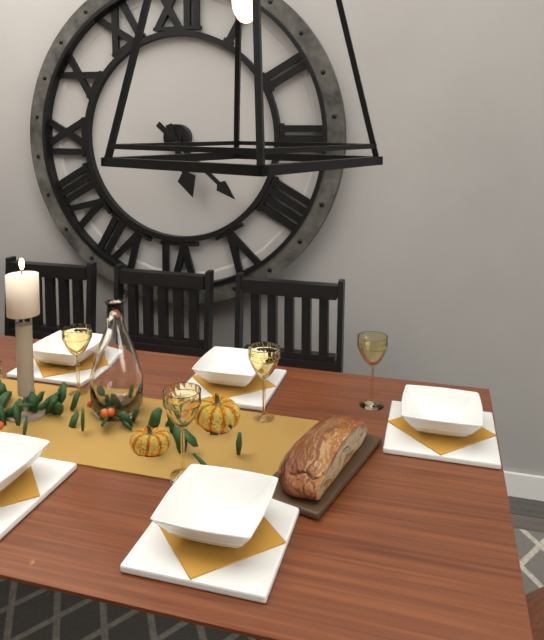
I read 5.22
